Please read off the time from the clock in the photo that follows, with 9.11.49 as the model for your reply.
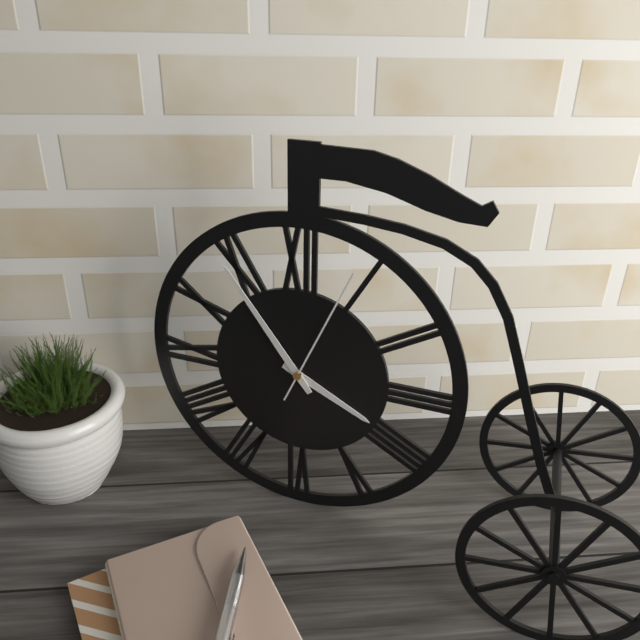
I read 3.54.04
